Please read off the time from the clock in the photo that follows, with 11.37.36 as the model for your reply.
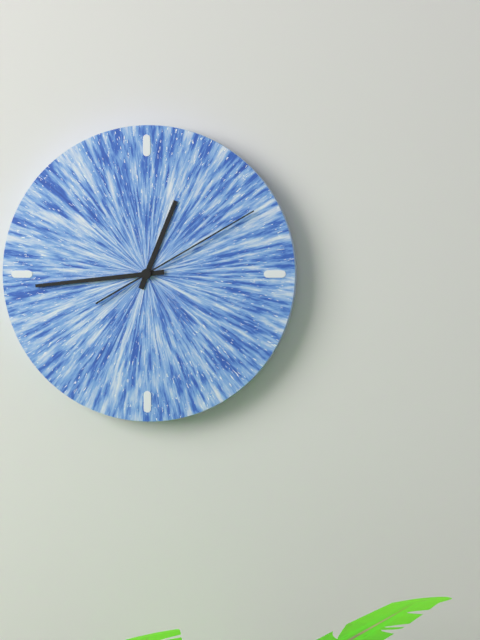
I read 12.44.10
